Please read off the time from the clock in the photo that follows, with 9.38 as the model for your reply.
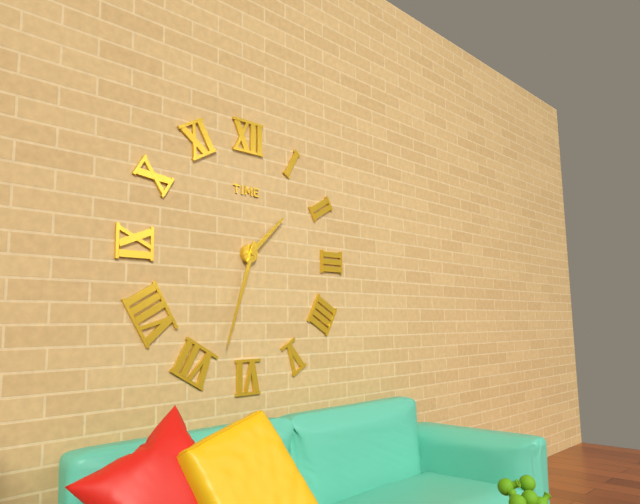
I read 1.33
